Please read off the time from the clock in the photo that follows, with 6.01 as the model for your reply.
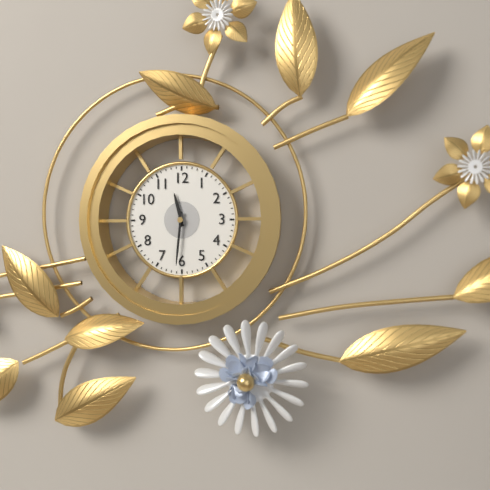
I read 11.31
